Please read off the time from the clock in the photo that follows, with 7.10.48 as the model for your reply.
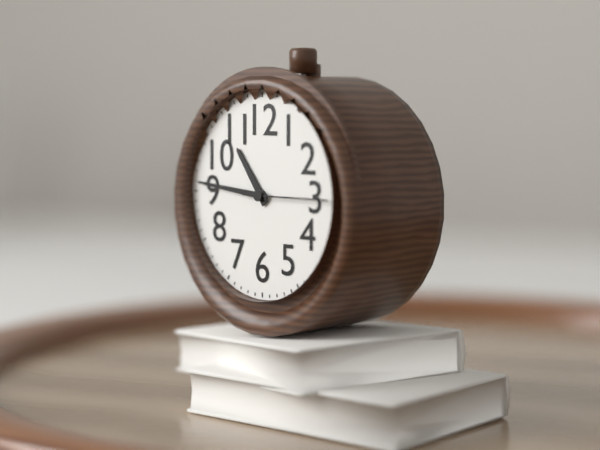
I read 10.46.15
